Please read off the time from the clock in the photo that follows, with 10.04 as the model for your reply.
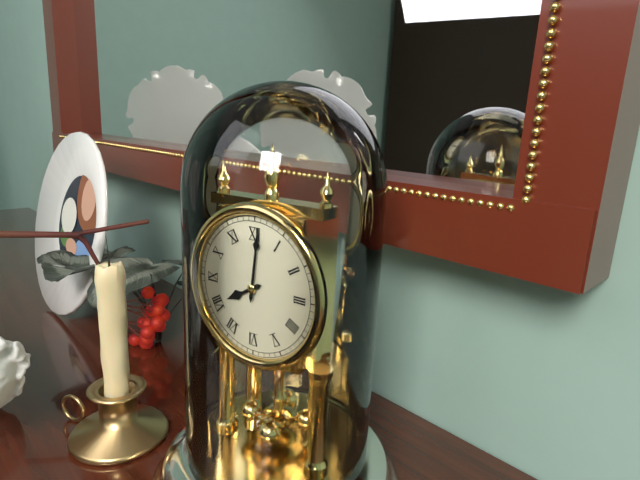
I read 8.01
